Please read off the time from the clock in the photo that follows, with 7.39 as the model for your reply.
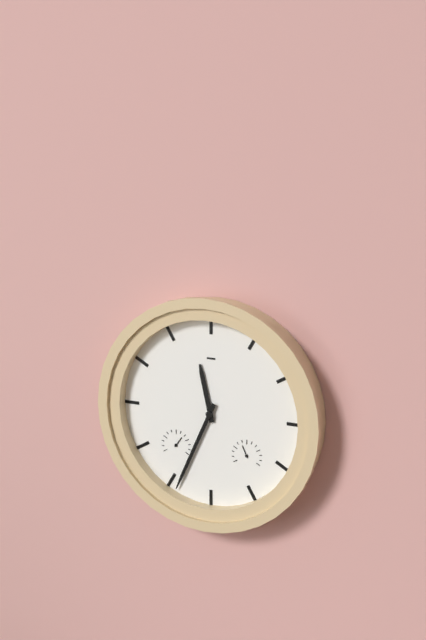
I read 11.34
